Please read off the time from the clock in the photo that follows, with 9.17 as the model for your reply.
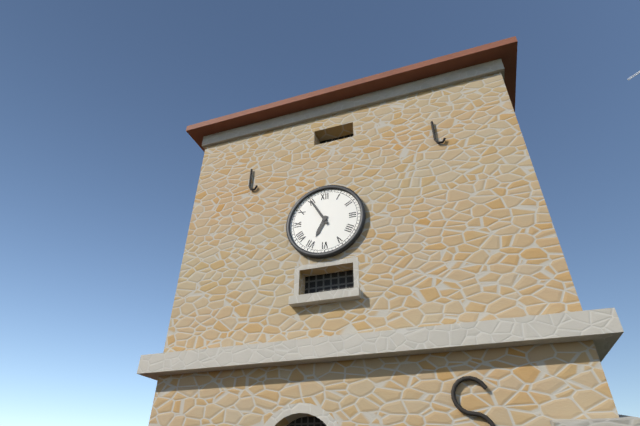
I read 6.55
